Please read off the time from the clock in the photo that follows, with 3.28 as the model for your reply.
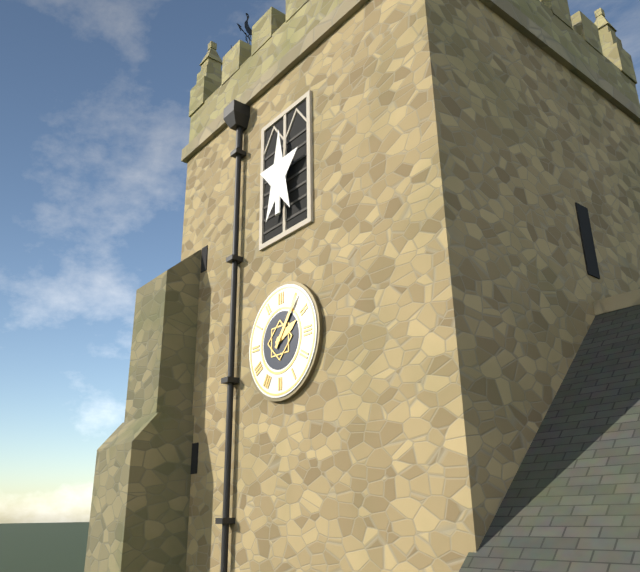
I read 2.06
